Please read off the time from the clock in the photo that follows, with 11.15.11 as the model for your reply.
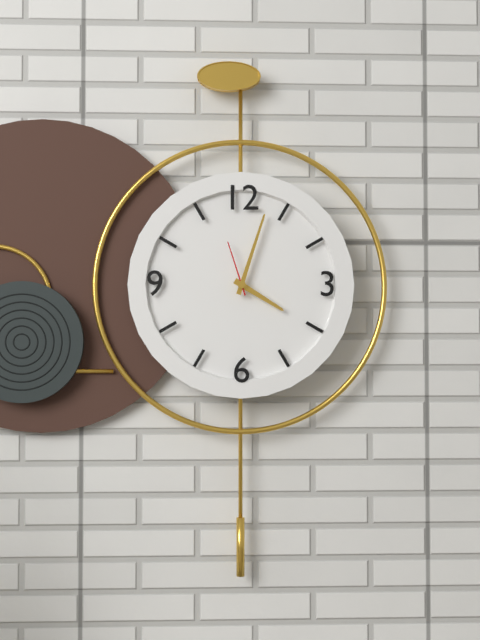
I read 4.03.57
